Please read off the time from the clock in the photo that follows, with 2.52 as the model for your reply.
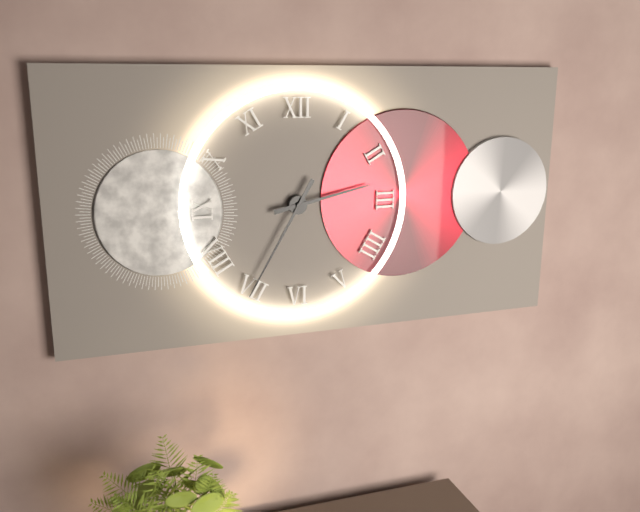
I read 2.35
